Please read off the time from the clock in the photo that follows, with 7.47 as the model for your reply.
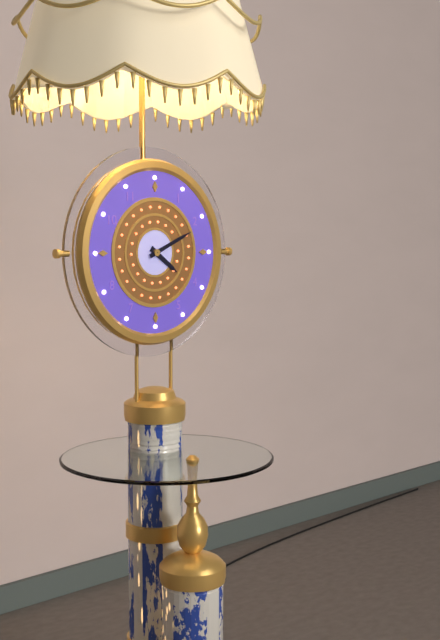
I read 4.11
